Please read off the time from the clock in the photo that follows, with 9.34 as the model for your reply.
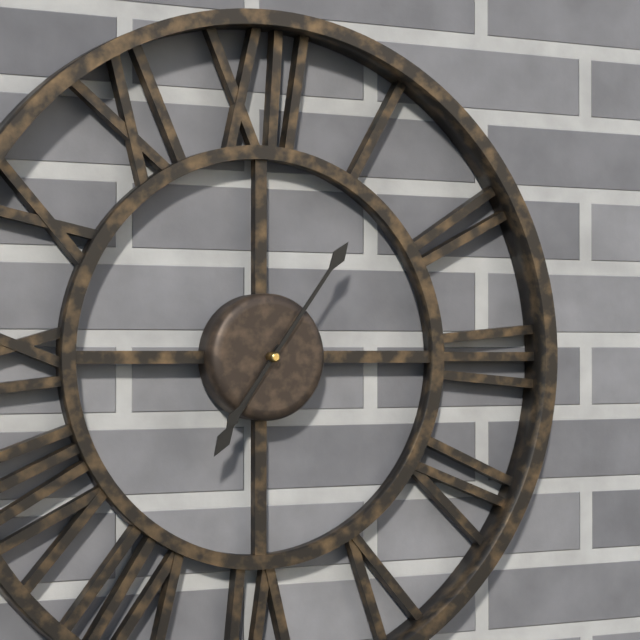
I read 7.06
